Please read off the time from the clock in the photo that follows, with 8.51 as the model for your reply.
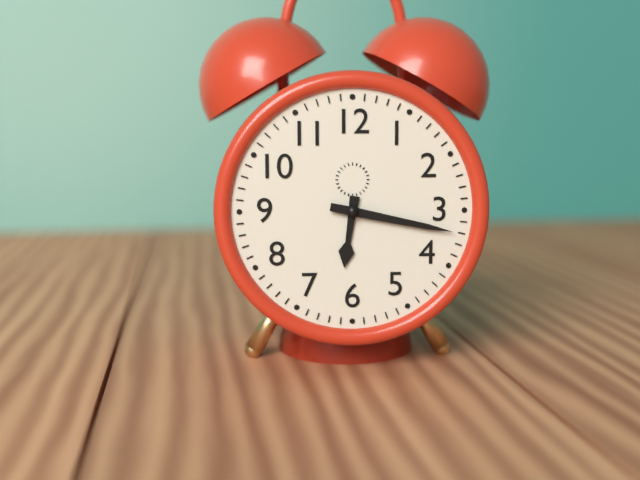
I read 6.17
